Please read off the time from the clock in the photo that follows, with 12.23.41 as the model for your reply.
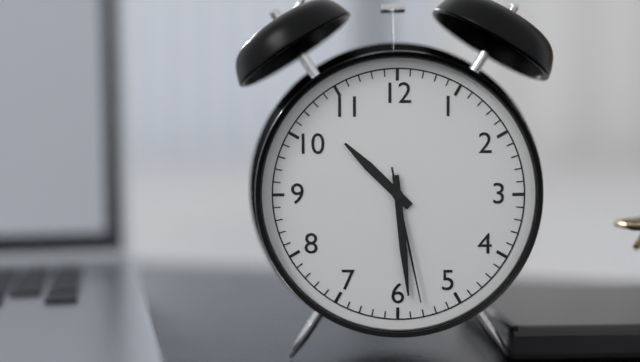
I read 10.29.28
